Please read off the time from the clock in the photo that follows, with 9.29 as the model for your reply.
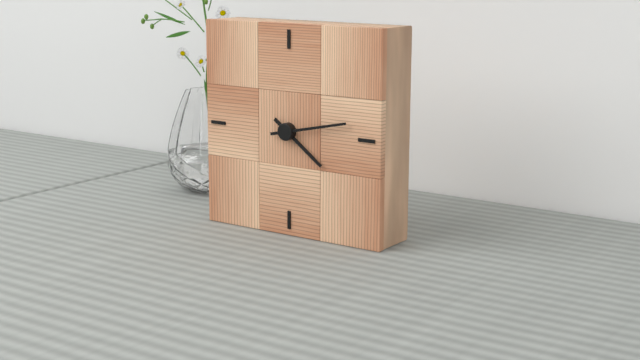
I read 4.13
